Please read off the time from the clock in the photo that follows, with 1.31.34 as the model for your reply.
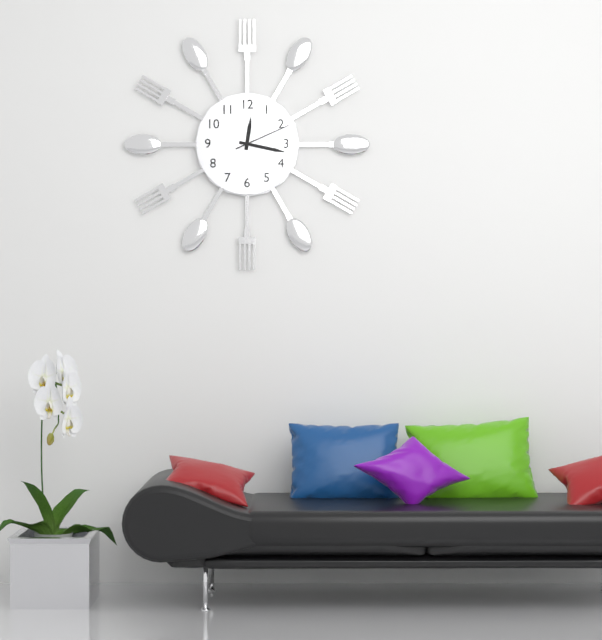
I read 12.17.11
